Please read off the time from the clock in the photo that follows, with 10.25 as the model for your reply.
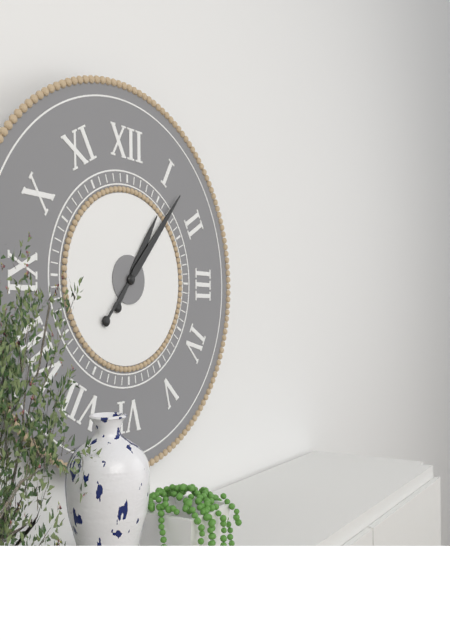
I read 1.07
